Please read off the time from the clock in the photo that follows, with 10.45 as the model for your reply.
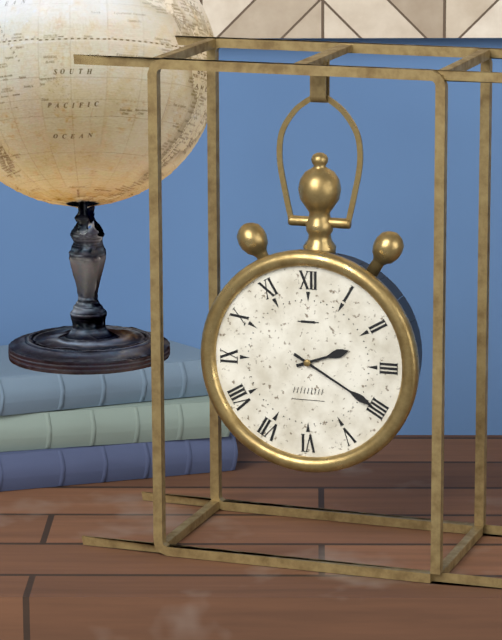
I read 2.20
